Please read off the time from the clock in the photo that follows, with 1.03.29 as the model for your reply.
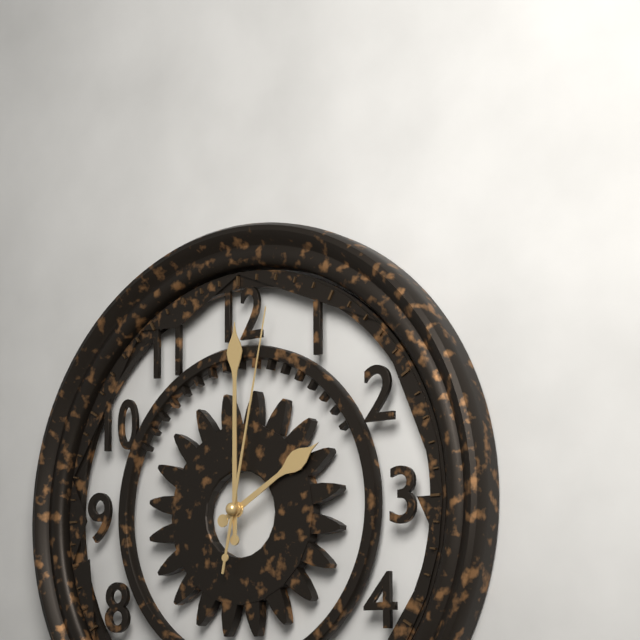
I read 2.00.02
